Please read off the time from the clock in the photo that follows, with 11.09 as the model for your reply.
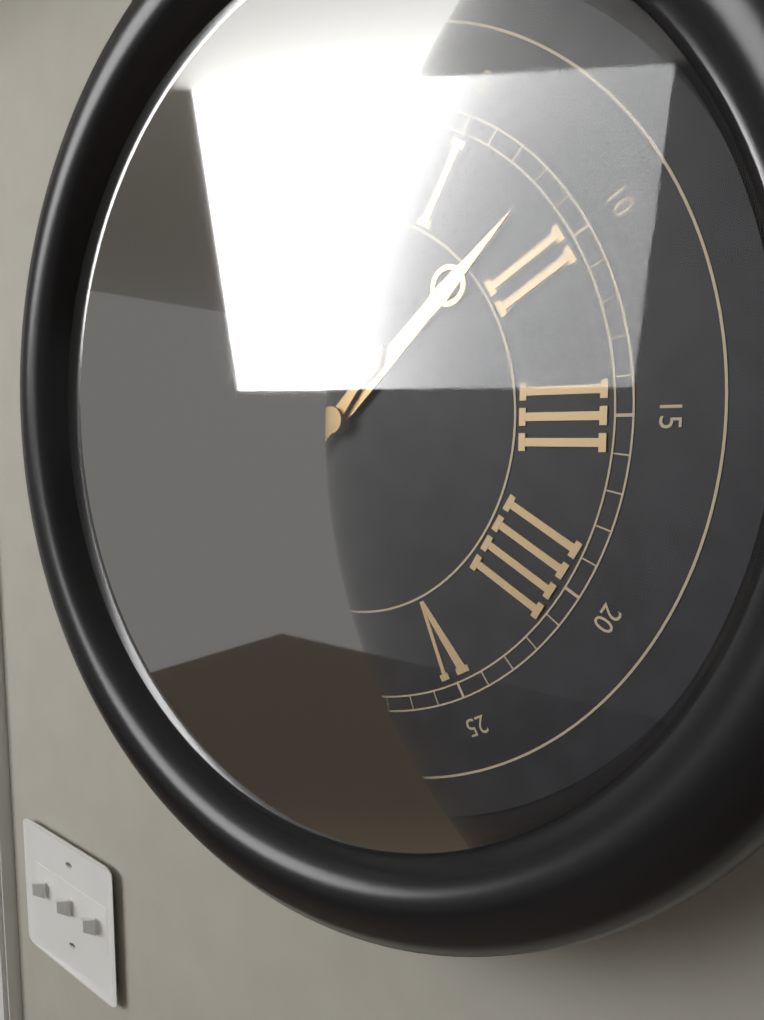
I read 1.37
